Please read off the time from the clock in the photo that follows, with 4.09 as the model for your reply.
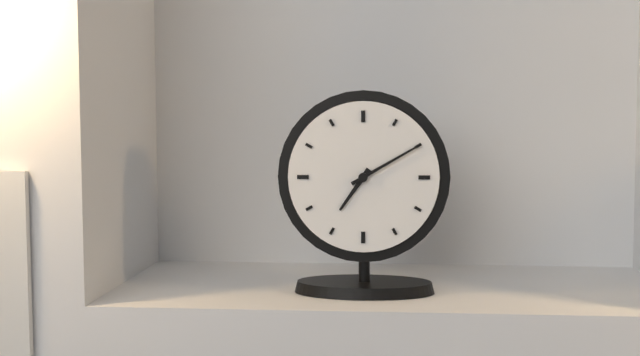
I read 7.10
